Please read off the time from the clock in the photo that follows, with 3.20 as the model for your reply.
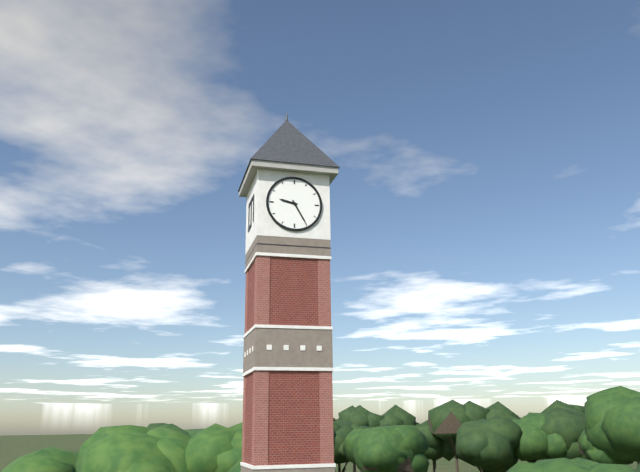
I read 9.25
